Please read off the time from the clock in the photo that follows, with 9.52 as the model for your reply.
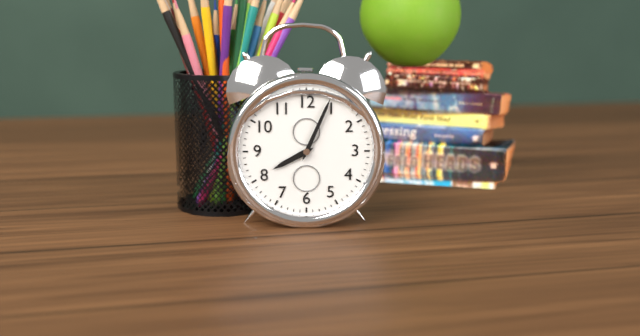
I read 8.04
